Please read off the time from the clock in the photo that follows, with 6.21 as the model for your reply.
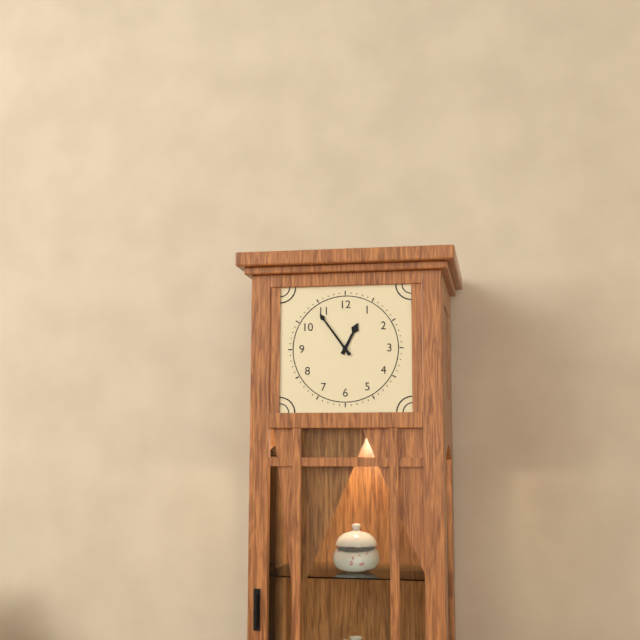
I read 12.54
